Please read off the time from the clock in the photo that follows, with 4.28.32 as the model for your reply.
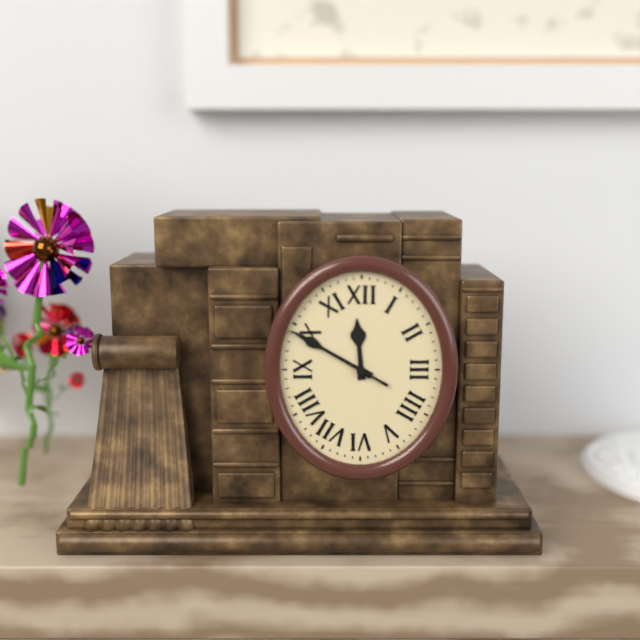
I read 11.50.50
